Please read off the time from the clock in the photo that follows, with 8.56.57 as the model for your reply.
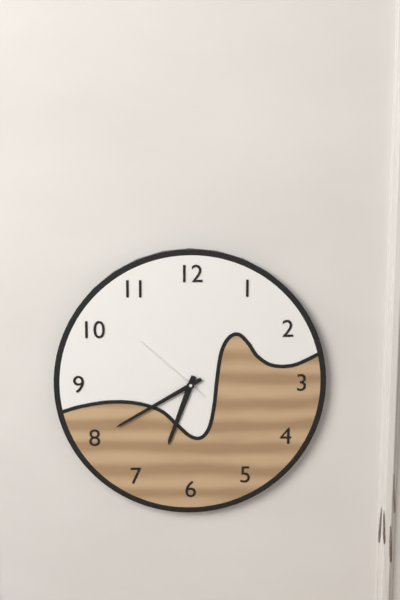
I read 6.40.52
